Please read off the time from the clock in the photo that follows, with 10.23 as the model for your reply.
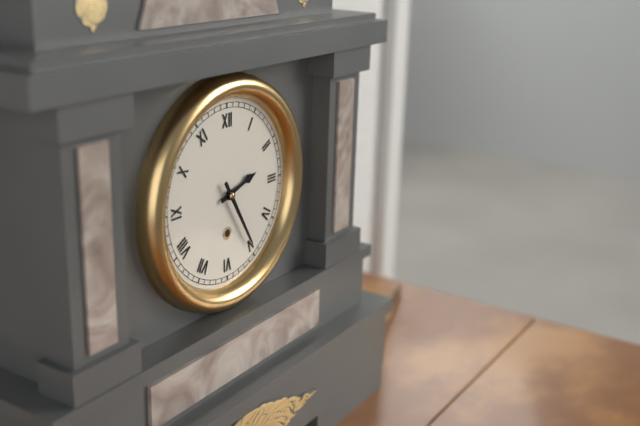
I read 2.25
